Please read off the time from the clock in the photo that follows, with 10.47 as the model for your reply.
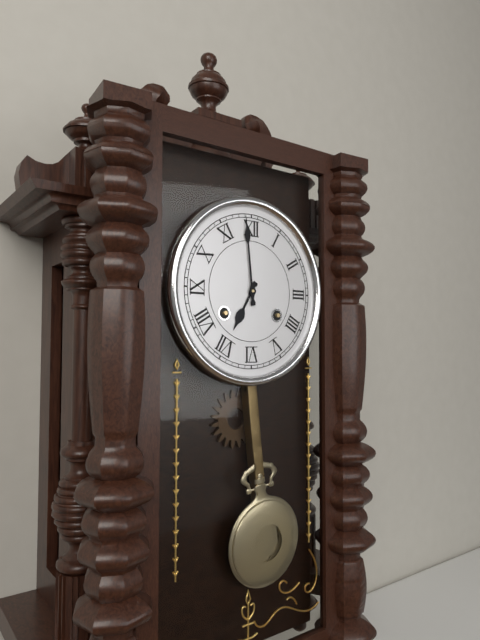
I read 6.59
